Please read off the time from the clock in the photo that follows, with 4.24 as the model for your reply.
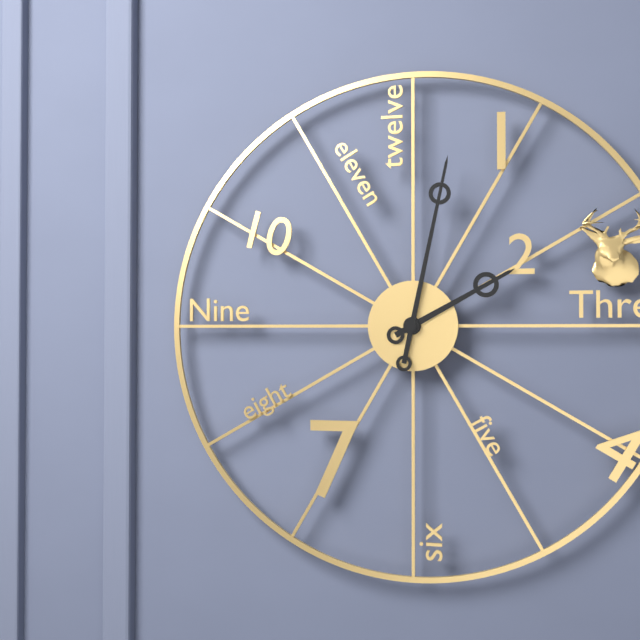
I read 2.02
